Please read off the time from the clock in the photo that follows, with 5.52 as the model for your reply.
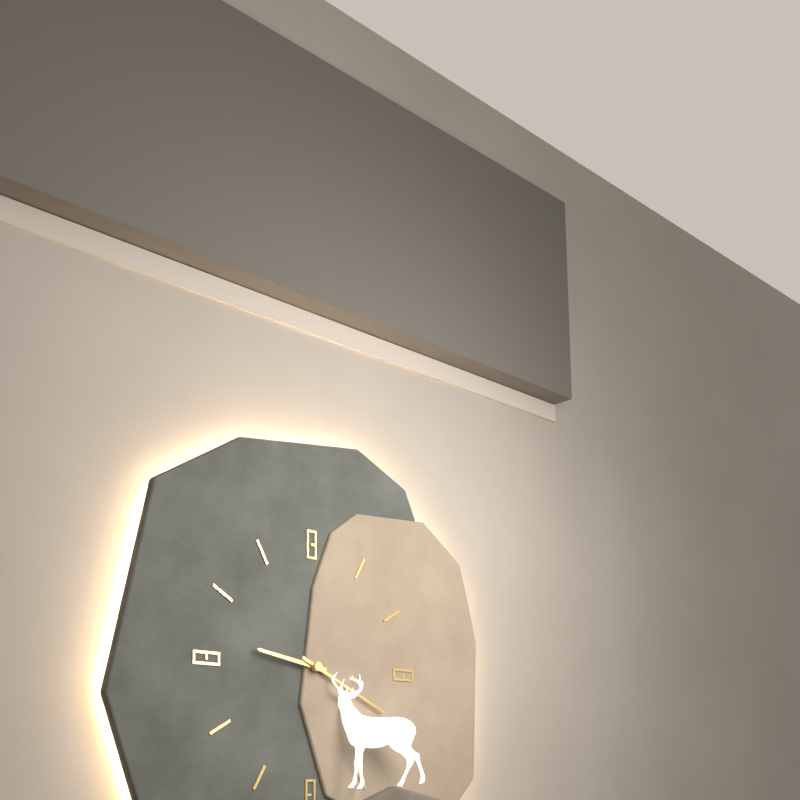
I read 9.19
